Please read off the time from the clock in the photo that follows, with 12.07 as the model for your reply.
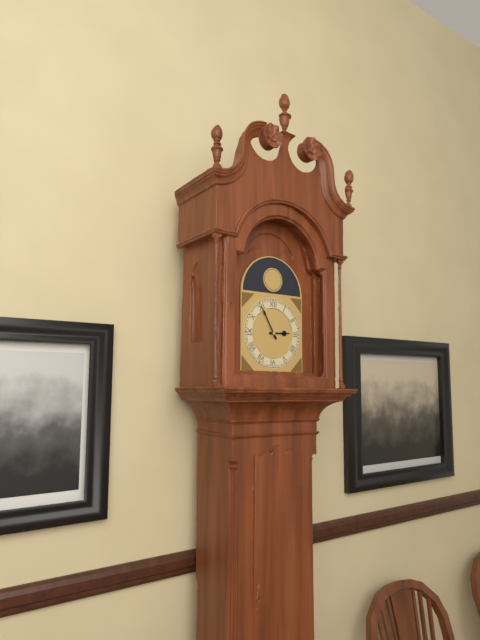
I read 2.55
